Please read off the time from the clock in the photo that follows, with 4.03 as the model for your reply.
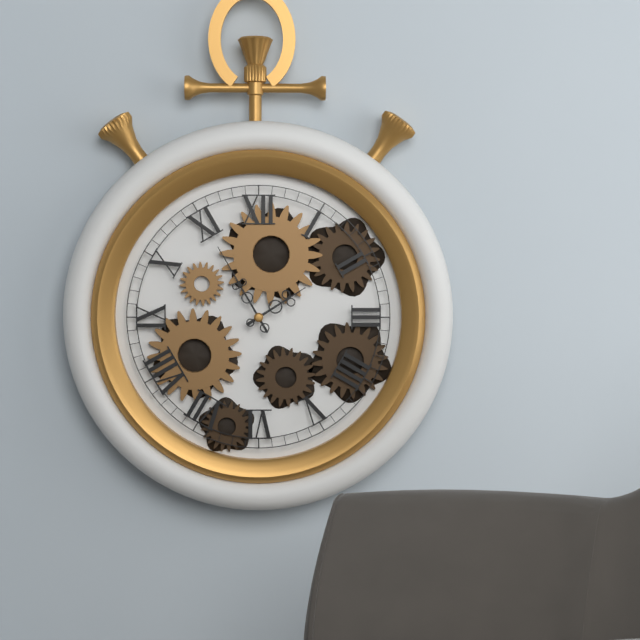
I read 1.55
